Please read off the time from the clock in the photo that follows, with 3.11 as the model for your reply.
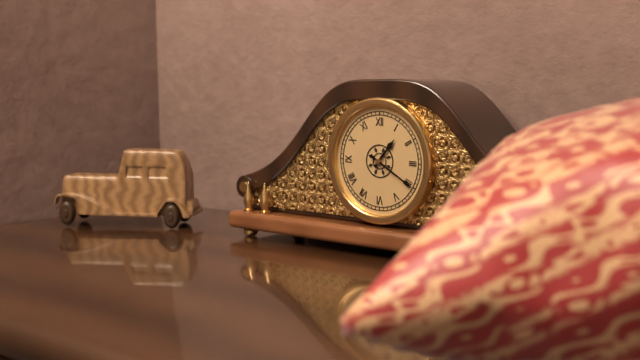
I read 1.20
